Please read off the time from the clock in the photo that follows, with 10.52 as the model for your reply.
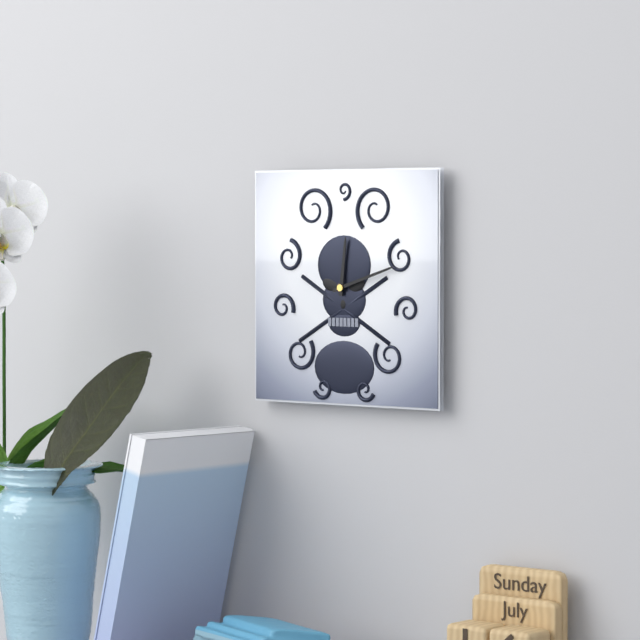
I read 12.12
